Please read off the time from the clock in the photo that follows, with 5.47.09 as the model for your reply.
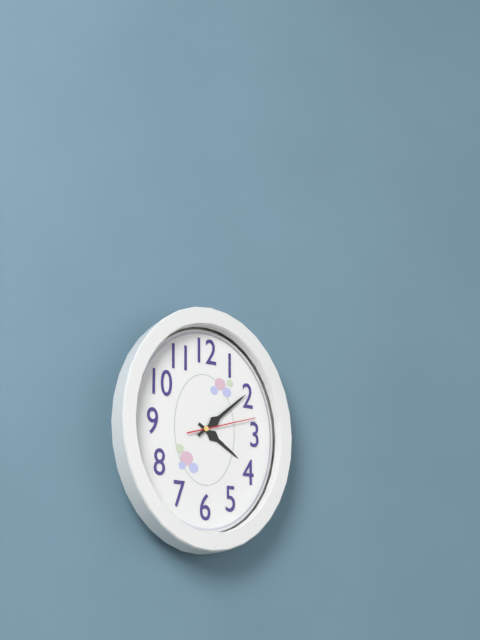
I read 4.08.12
